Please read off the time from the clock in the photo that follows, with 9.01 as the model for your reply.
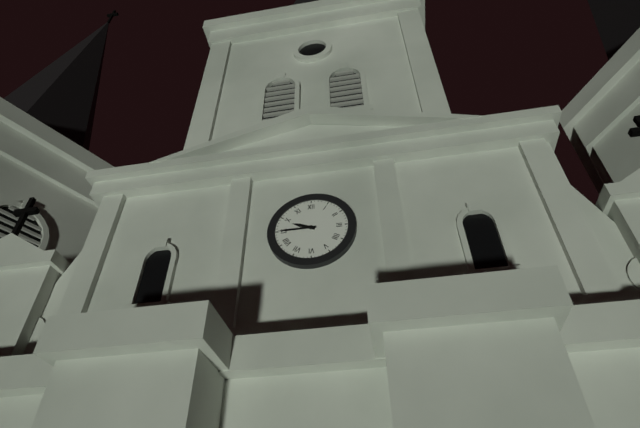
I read 9.45
